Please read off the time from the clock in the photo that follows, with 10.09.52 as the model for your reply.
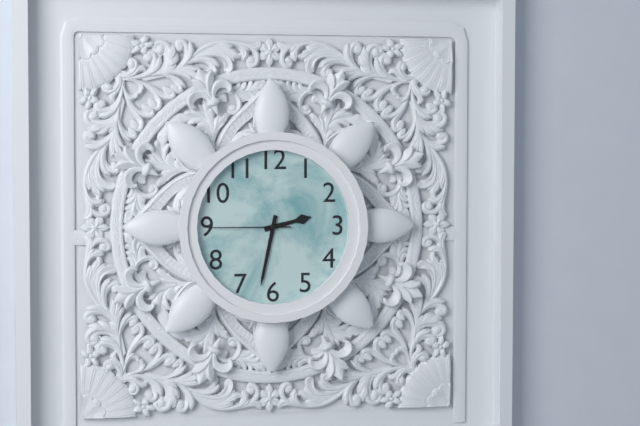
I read 2.32.45
